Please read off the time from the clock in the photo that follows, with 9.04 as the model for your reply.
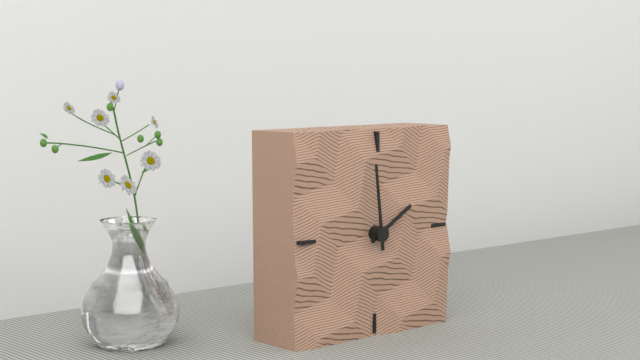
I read 1.59
